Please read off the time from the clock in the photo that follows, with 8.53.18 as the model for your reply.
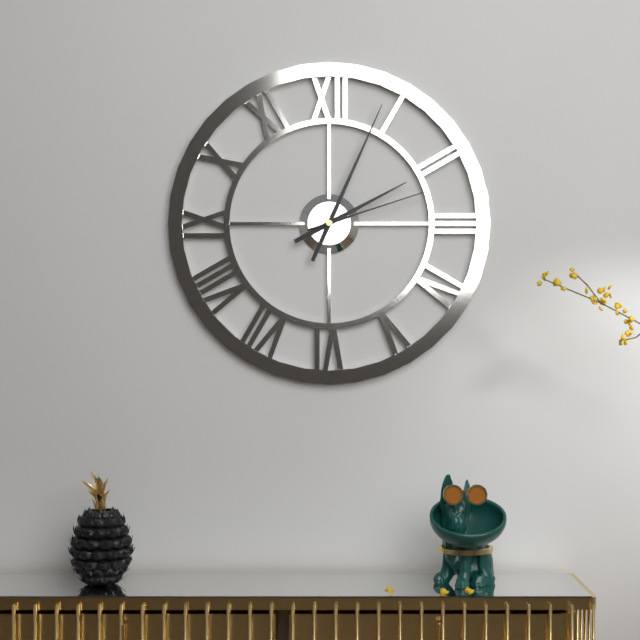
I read 2.04.12
